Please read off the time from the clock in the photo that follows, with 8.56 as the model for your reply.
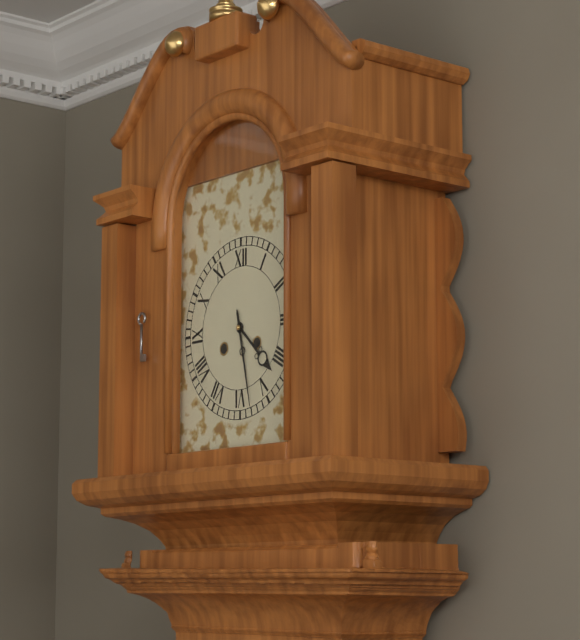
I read 4.28
